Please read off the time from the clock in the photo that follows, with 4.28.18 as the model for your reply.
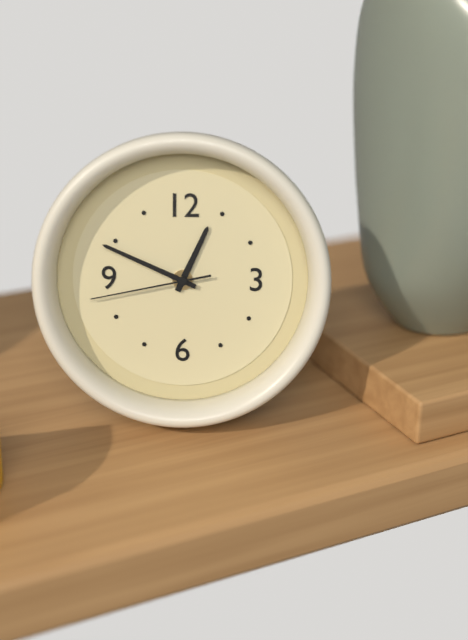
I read 12.49.43
